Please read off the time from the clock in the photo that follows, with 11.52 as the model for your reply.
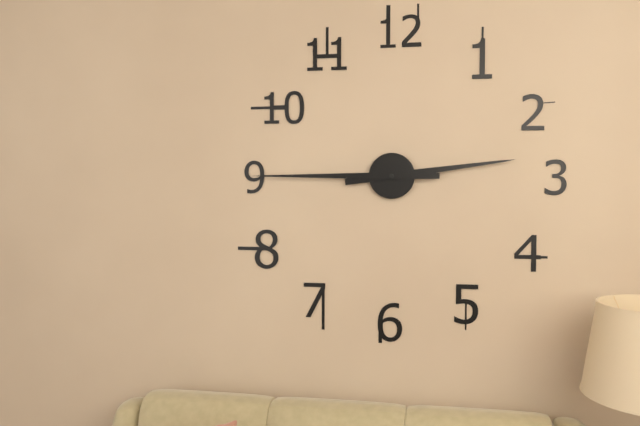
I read 2.45
